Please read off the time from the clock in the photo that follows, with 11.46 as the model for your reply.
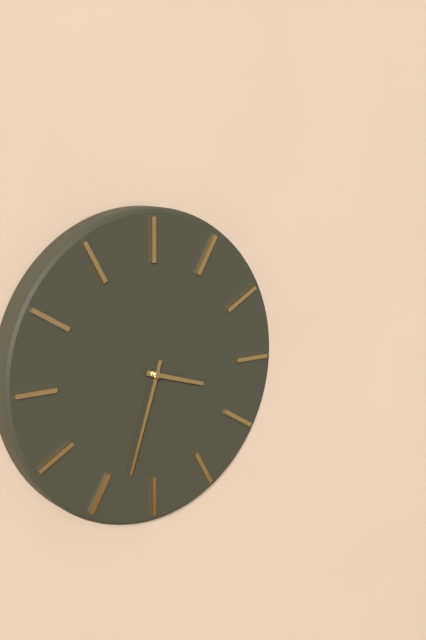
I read 3.33
